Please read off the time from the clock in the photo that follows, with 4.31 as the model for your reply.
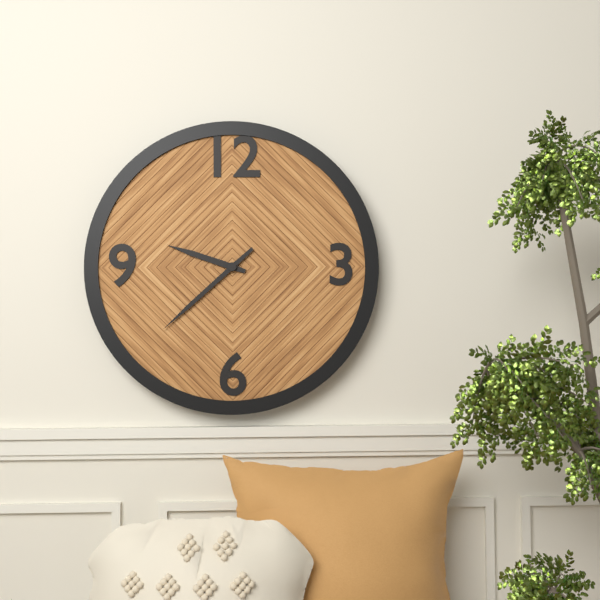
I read 9.38
